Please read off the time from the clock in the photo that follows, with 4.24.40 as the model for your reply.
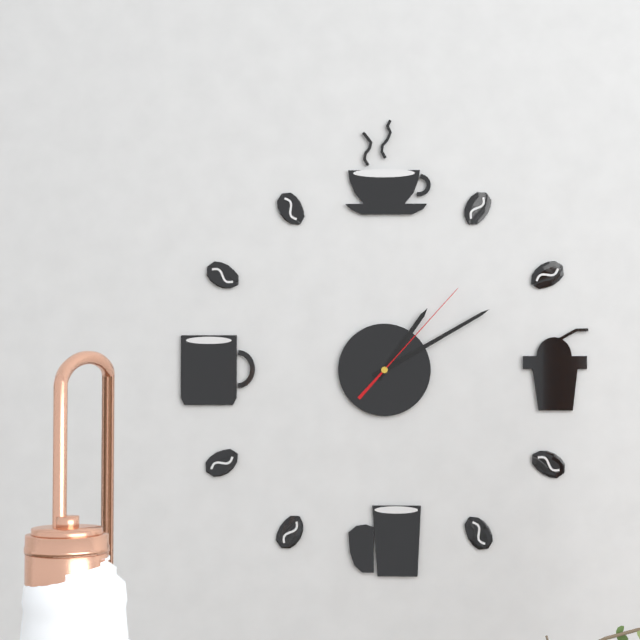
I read 1.10.07
